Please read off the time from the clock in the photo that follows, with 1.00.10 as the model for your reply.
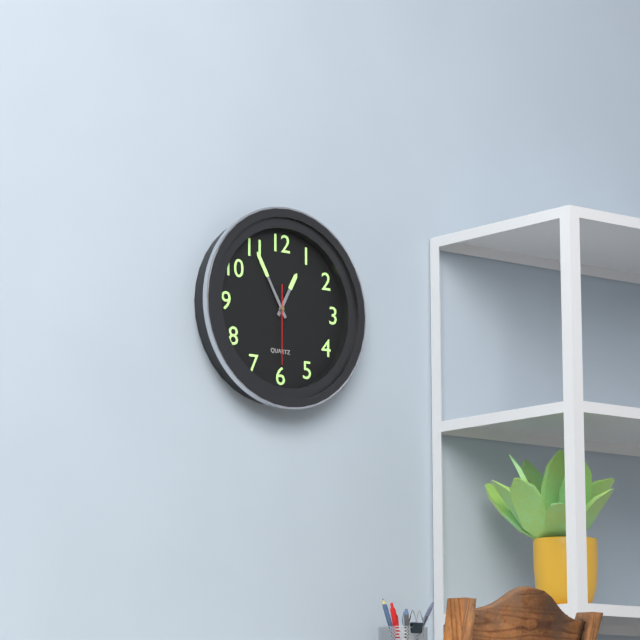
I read 12.55.30
